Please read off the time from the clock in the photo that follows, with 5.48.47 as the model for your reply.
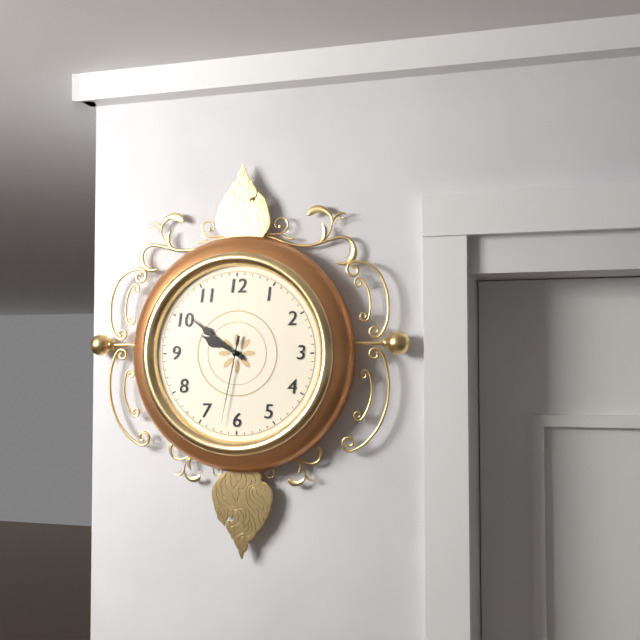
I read 9.51.32
